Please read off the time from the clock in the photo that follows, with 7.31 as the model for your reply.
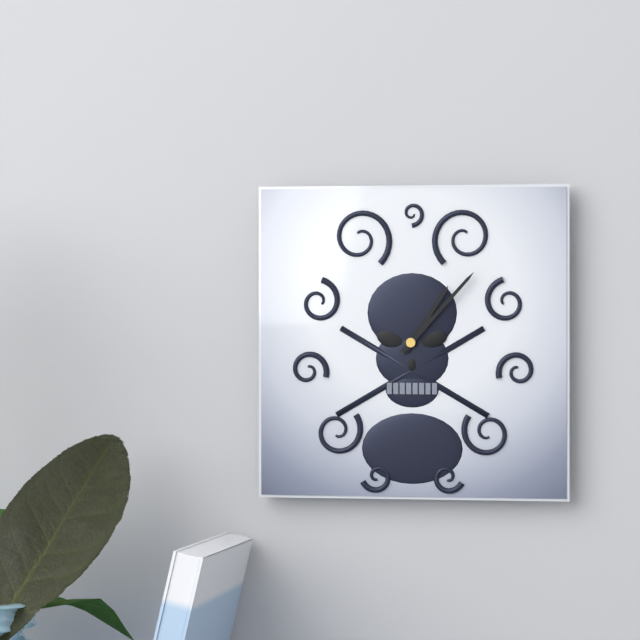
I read 1.07
